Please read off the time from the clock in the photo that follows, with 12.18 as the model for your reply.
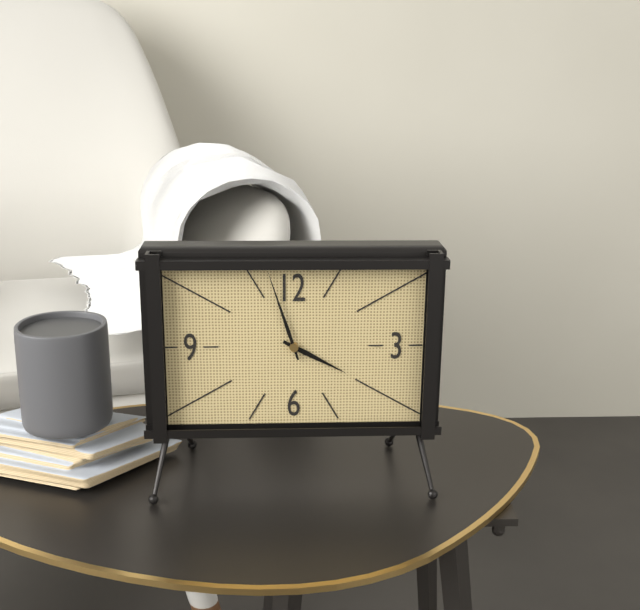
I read 3.57
